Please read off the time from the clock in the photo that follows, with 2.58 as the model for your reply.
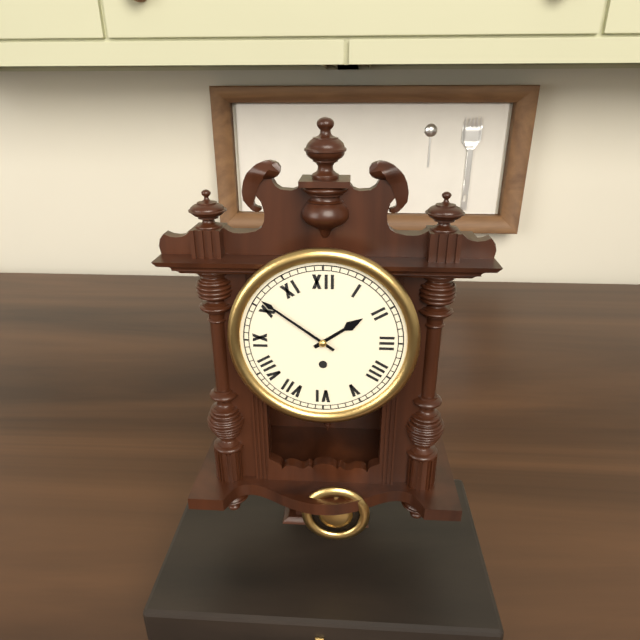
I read 1.51
